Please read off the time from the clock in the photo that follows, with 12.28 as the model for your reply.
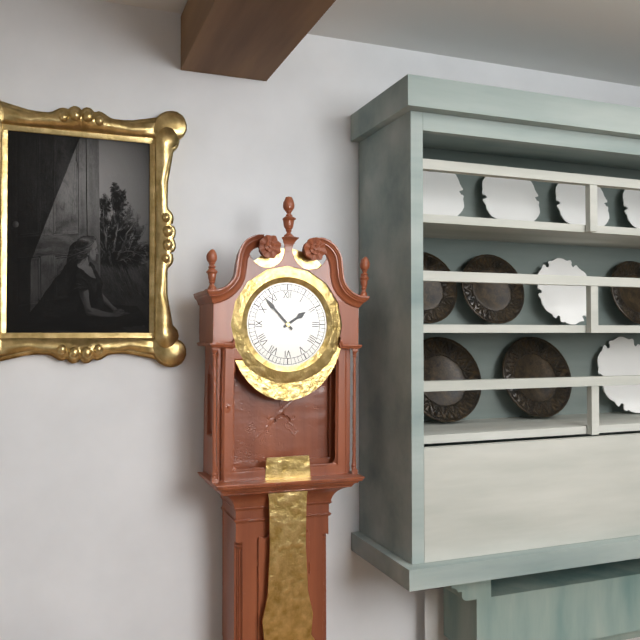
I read 1.53
